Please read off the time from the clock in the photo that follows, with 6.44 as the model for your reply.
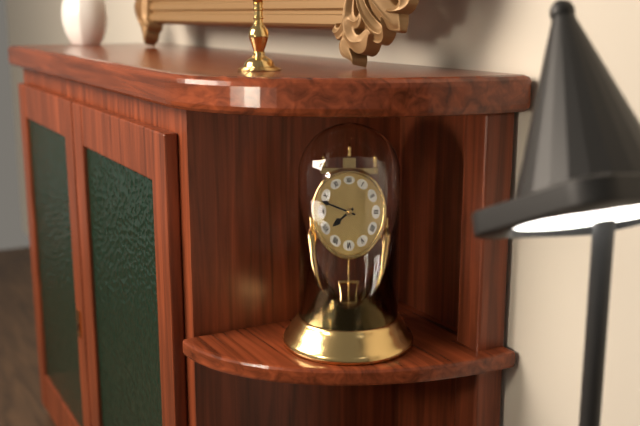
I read 7.48
